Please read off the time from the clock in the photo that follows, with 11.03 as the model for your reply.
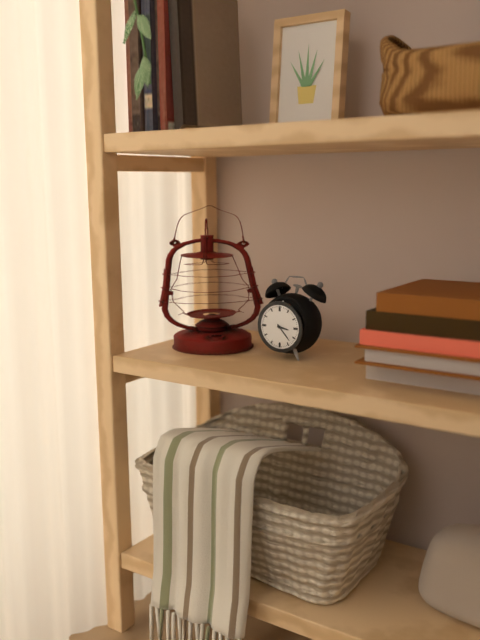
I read 3.23
